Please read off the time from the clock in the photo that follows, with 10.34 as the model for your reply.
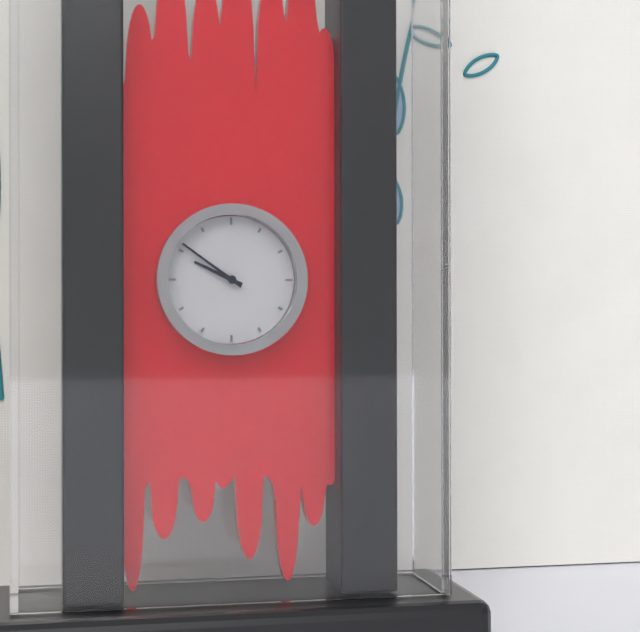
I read 9.51
